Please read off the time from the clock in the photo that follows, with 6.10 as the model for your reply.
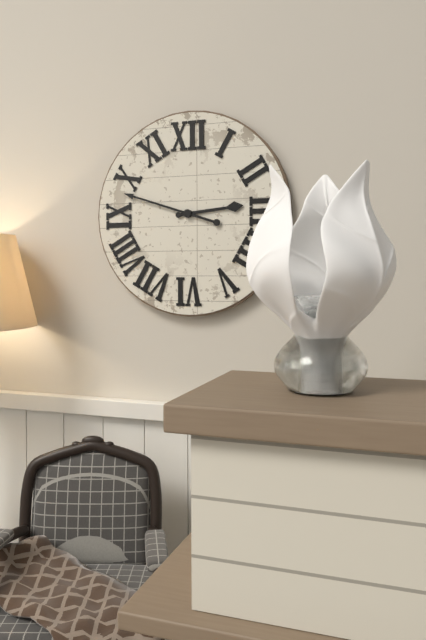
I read 2.48
